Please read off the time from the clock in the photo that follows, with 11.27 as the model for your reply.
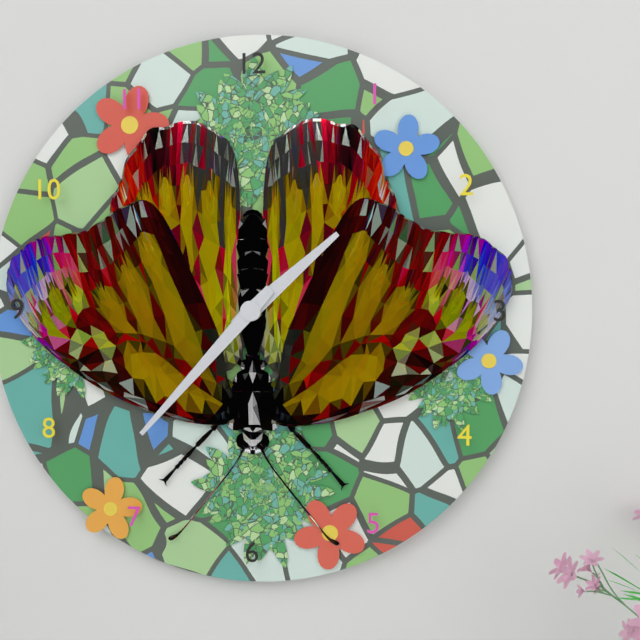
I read 1.37
